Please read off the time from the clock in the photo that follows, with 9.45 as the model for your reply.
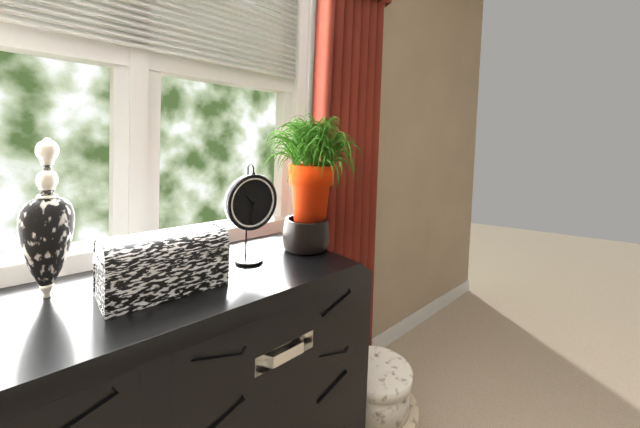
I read 10.31
